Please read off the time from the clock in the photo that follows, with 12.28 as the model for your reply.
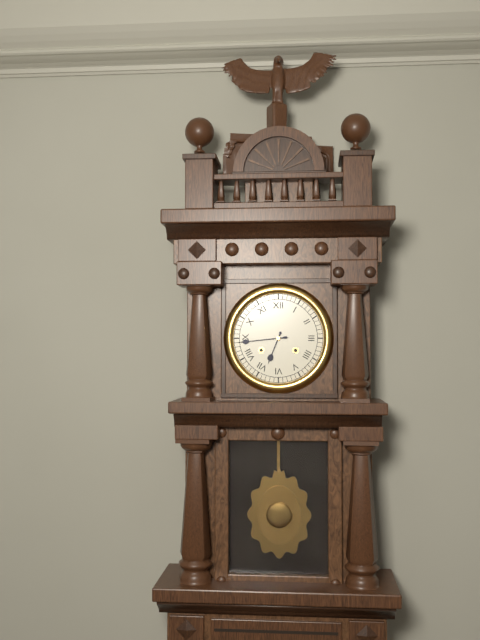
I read 6.44
